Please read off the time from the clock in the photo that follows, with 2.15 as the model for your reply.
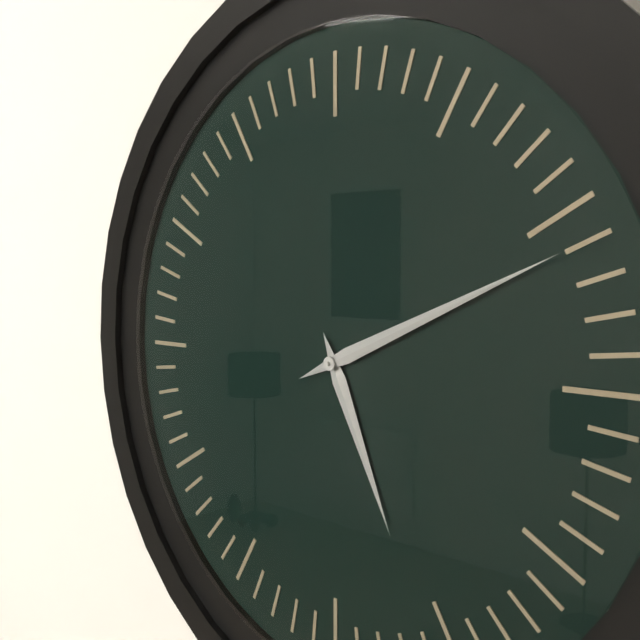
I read 5.11
